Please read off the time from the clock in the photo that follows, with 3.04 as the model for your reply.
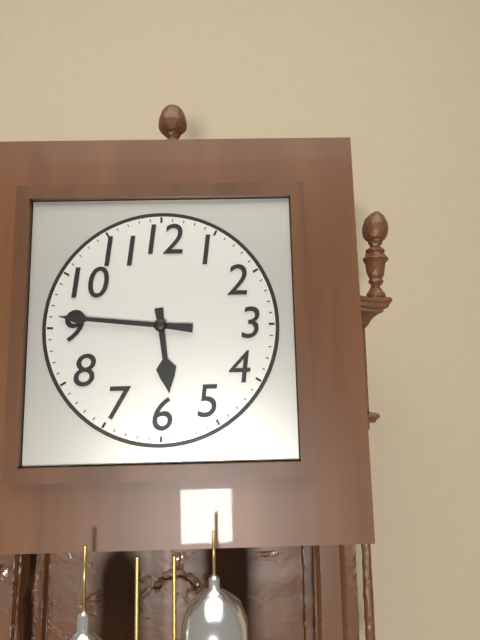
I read 5.46
